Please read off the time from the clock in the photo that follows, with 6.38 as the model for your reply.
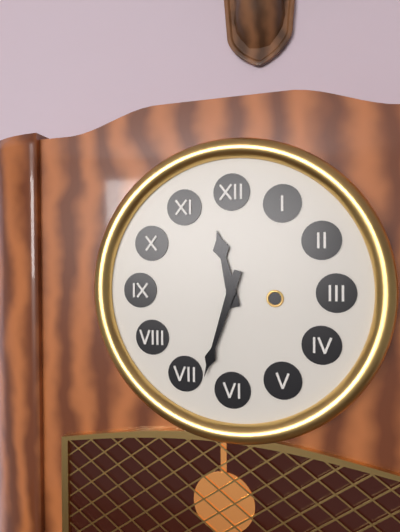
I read 11.33
